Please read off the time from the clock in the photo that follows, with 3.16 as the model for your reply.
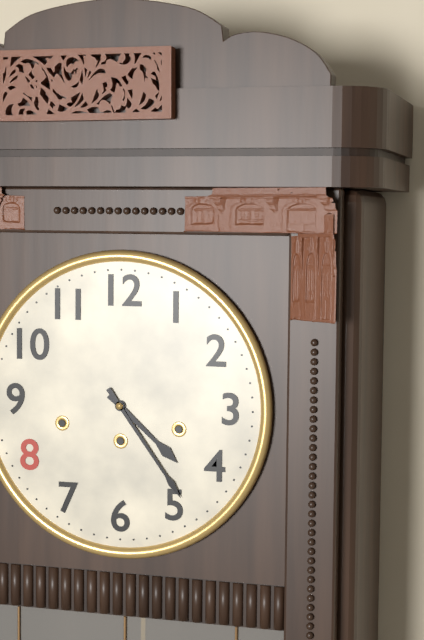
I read 4.24
